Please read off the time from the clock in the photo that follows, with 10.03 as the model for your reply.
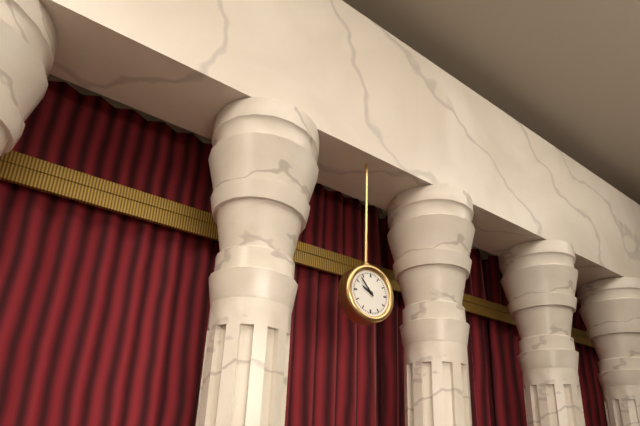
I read 9.53
